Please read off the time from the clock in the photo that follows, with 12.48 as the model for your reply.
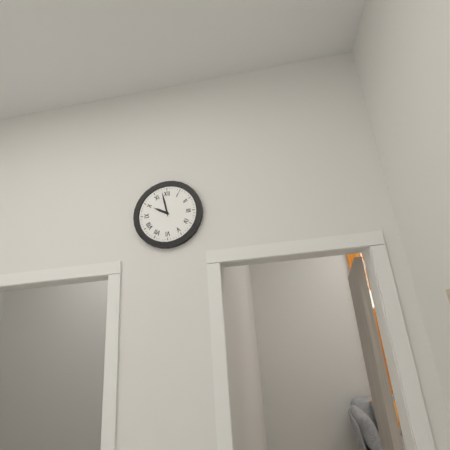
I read 9.58
